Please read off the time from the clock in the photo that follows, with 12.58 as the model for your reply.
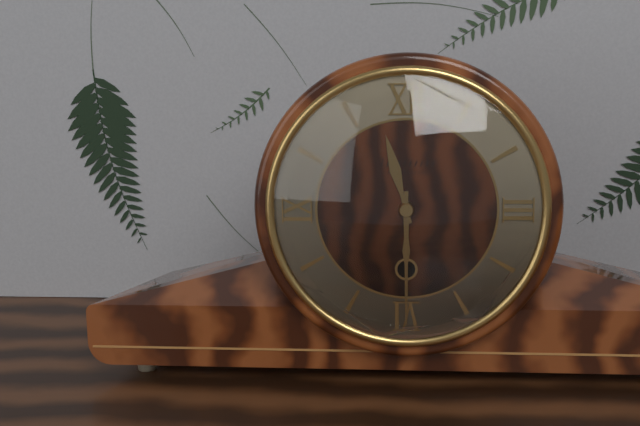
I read 11.30
